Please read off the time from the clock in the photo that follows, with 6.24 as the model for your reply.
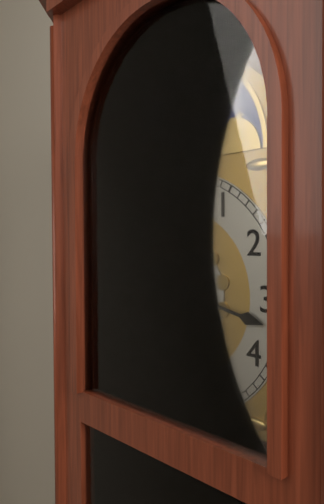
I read 4.17
